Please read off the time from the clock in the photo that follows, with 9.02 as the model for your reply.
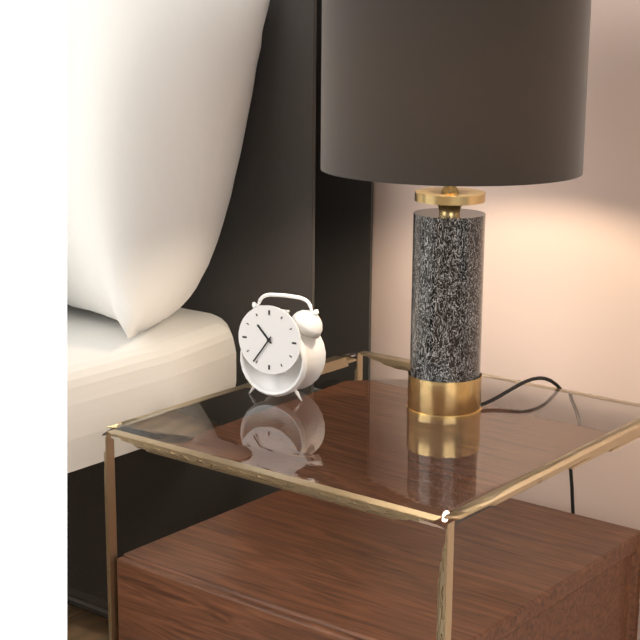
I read 10.36
